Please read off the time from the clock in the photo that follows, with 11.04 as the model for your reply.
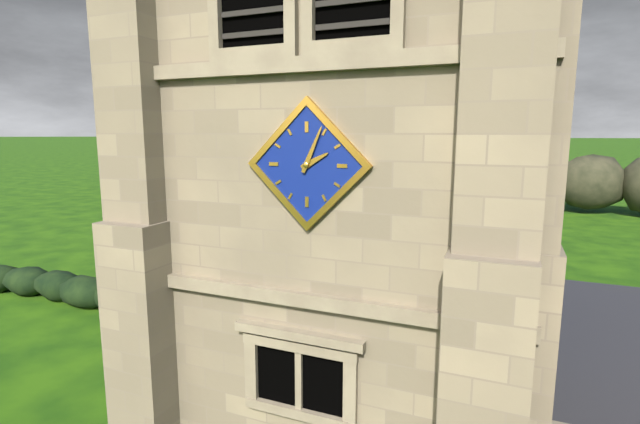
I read 2.04
